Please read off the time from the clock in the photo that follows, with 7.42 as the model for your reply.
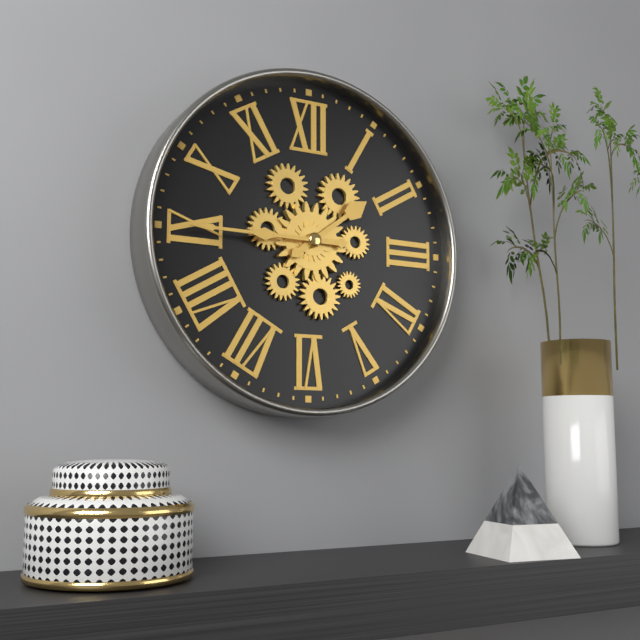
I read 1.45
